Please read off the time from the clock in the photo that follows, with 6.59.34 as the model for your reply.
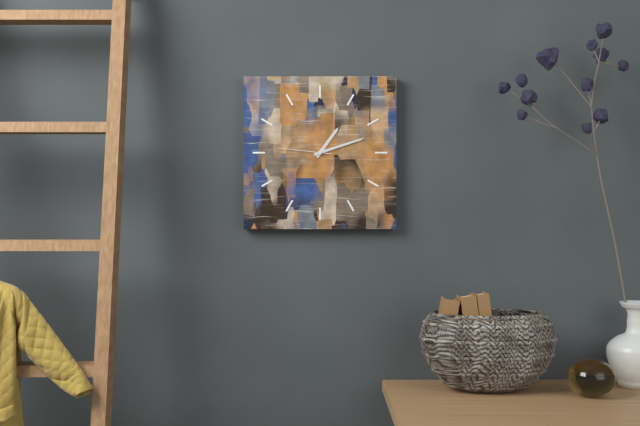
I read 1.12.46
